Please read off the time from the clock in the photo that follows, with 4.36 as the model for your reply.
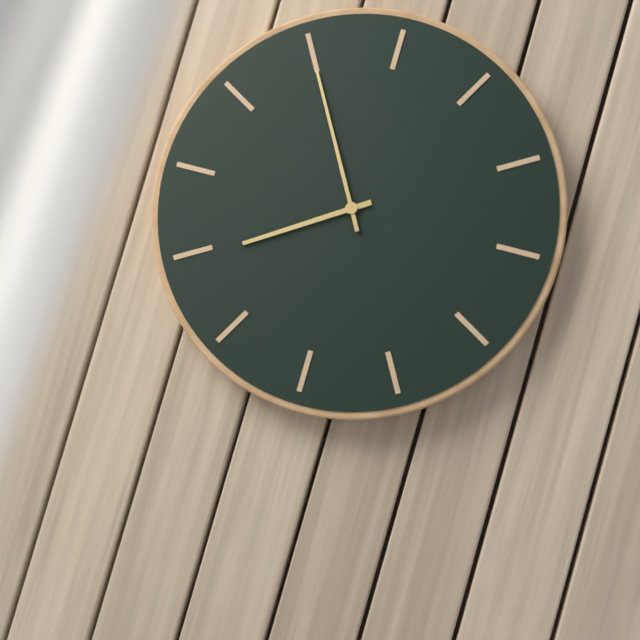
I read 7.55
